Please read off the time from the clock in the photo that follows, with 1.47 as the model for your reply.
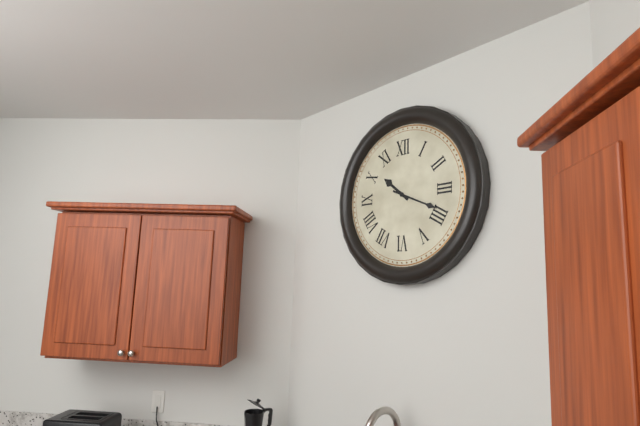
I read 10.19
